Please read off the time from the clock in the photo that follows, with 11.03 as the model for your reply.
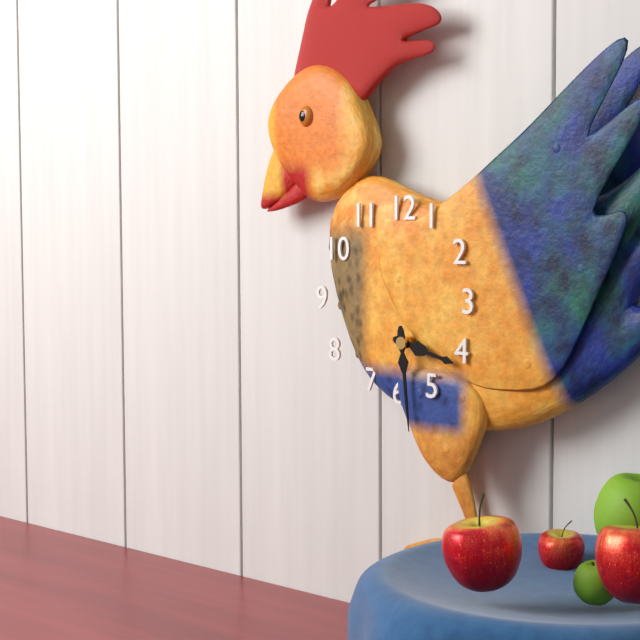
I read 3.29
